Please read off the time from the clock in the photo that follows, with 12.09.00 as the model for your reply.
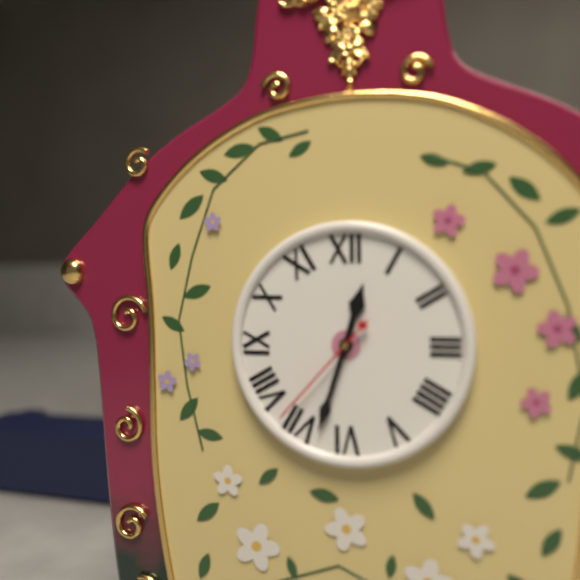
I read 12.33.37
